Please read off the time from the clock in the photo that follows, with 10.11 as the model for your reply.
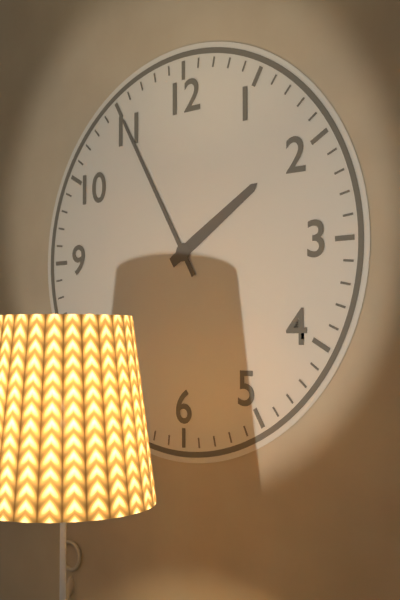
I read 1.55
